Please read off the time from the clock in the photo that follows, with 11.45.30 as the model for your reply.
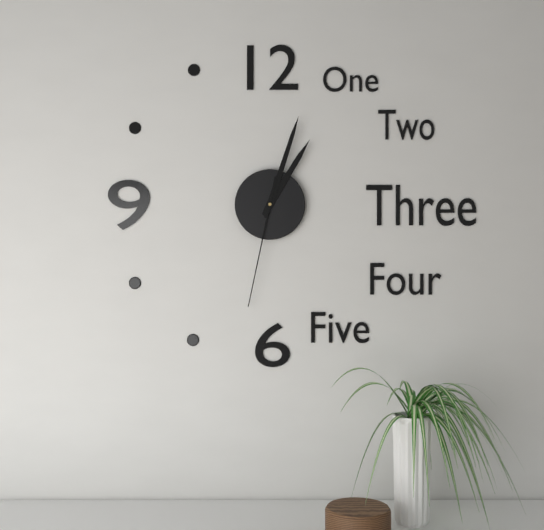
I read 1.03.32
